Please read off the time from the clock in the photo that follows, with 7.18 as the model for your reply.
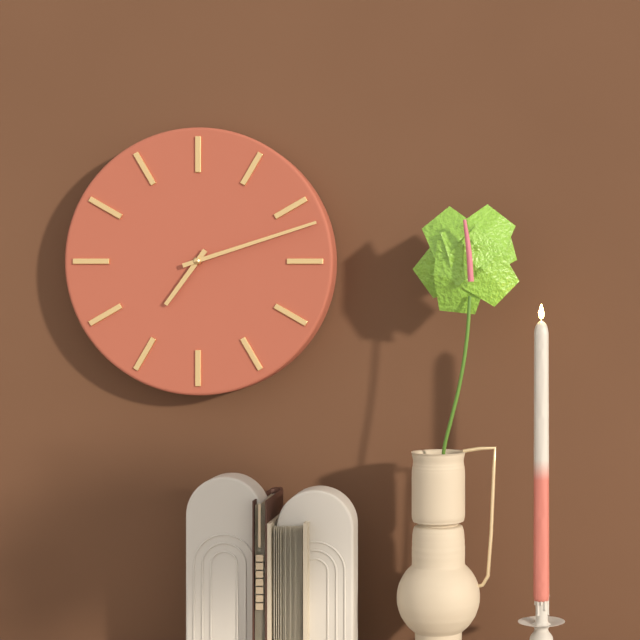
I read 7.12
